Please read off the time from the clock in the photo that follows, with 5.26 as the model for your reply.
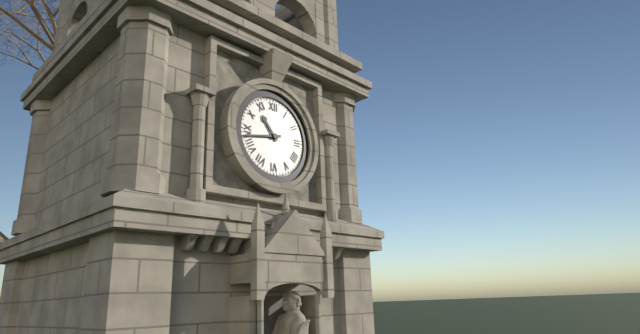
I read 10.43
